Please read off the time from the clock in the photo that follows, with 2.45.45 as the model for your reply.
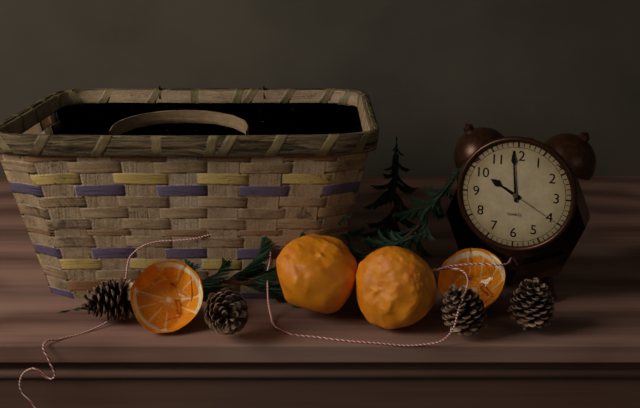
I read 9.59.20
